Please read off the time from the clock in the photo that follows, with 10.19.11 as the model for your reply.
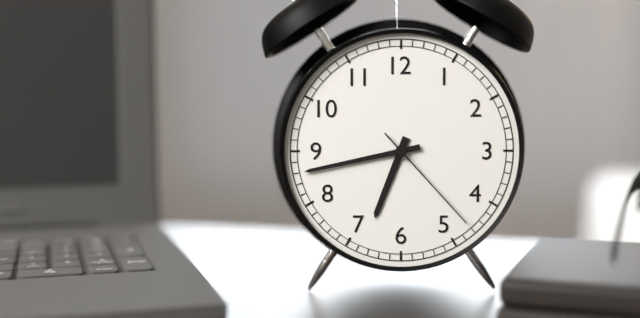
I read 6.43.23
